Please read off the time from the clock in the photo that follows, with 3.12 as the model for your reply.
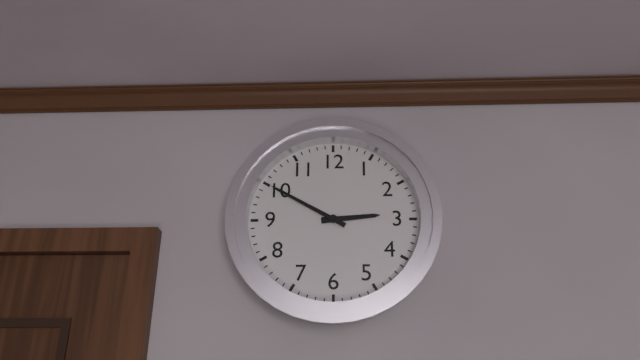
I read 2.50
